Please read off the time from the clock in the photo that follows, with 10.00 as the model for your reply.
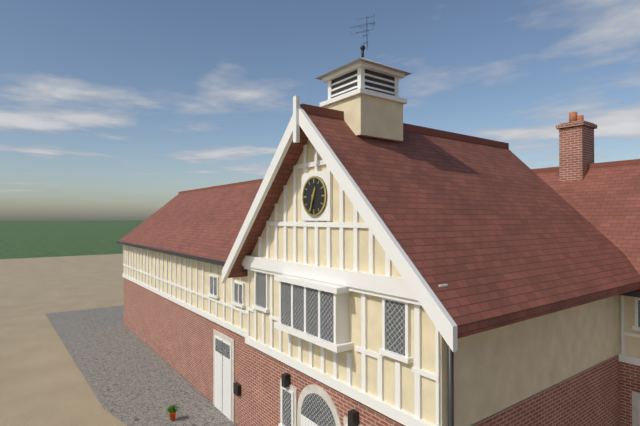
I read 12.33
